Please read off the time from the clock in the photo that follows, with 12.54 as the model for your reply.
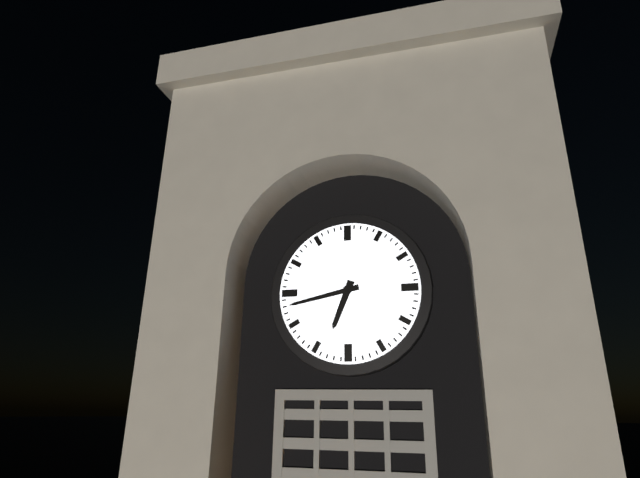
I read 6.43
